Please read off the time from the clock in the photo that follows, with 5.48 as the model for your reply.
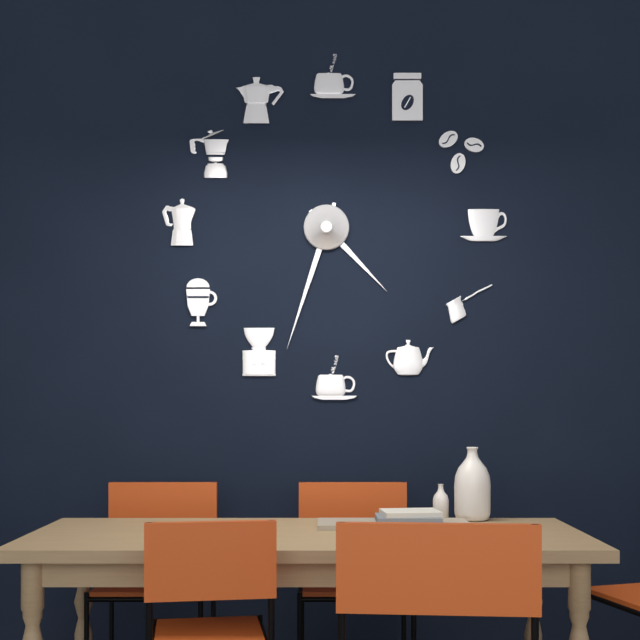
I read 4.33
